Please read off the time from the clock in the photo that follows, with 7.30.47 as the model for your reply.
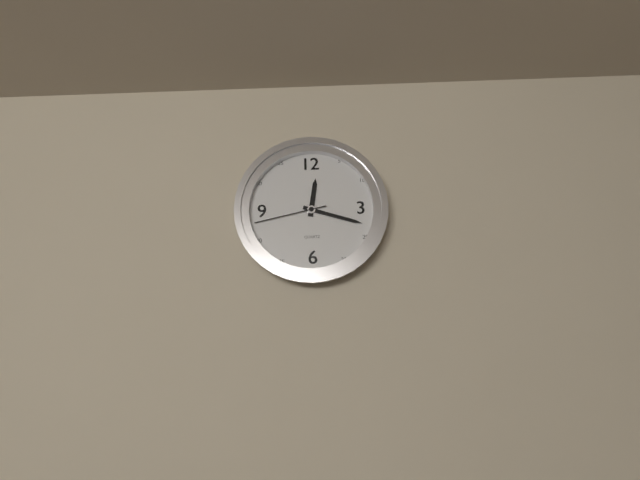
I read 12.18.43
